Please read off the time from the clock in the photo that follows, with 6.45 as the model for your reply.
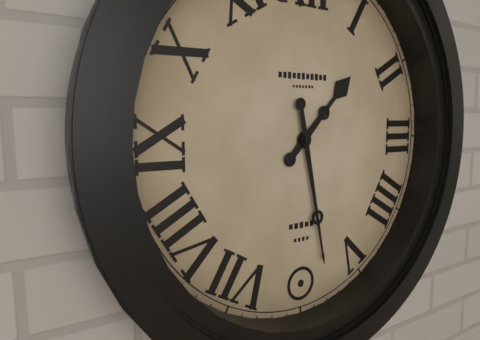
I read 1.28
